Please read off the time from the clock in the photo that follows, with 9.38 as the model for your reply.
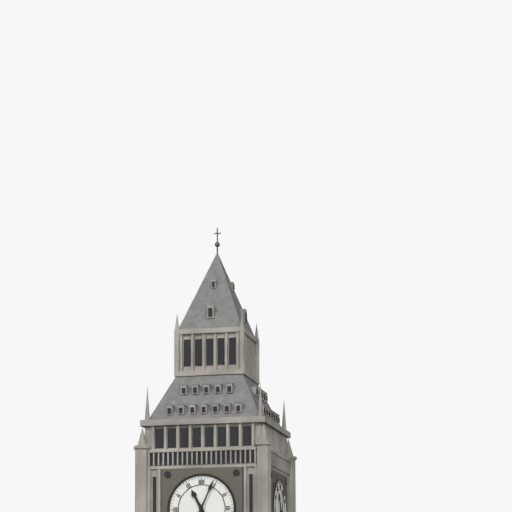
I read 11.04
